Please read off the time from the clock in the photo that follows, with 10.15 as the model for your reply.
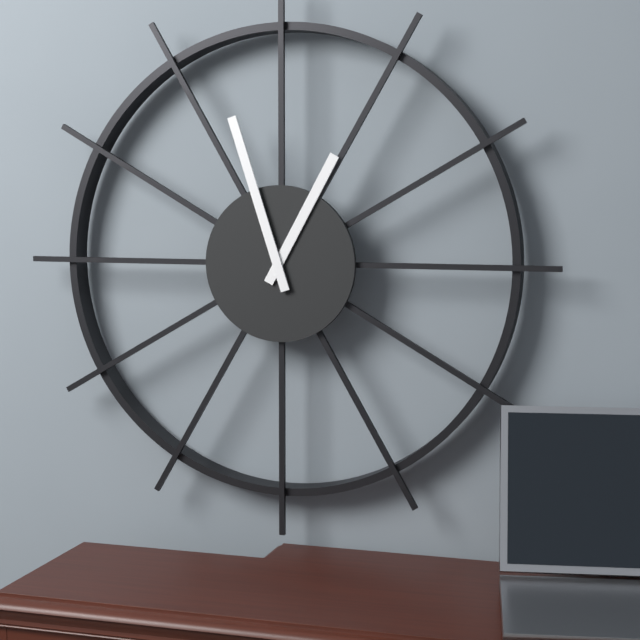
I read 12.57
